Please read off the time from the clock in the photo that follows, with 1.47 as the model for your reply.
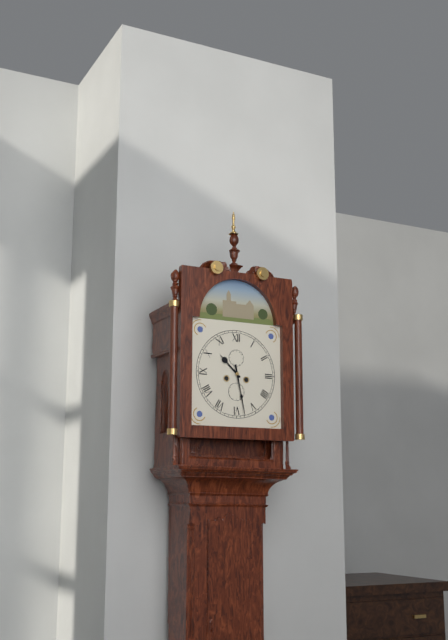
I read 10.28
